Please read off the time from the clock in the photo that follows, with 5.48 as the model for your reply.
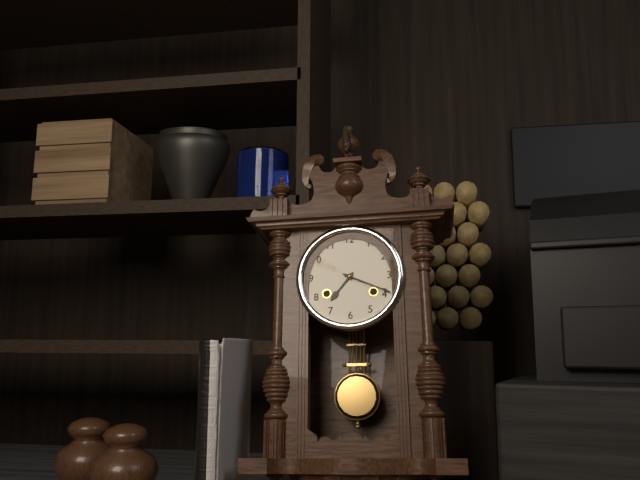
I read 7.19
